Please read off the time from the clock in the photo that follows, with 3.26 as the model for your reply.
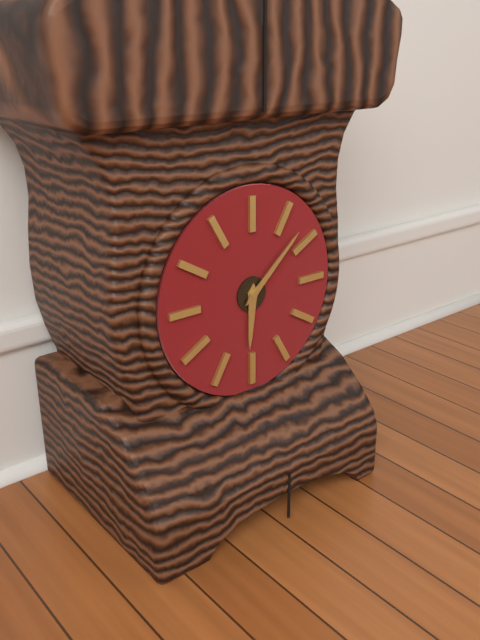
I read 6.08
